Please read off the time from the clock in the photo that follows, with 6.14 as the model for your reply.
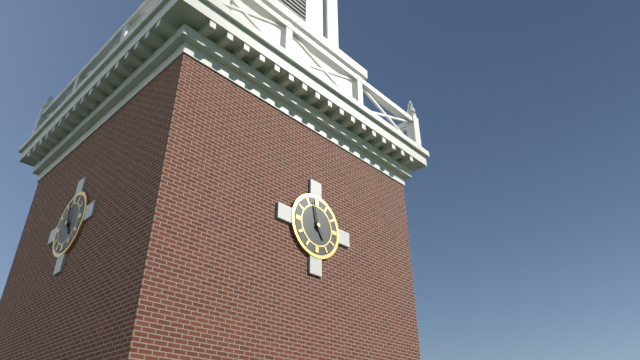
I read 4.58
